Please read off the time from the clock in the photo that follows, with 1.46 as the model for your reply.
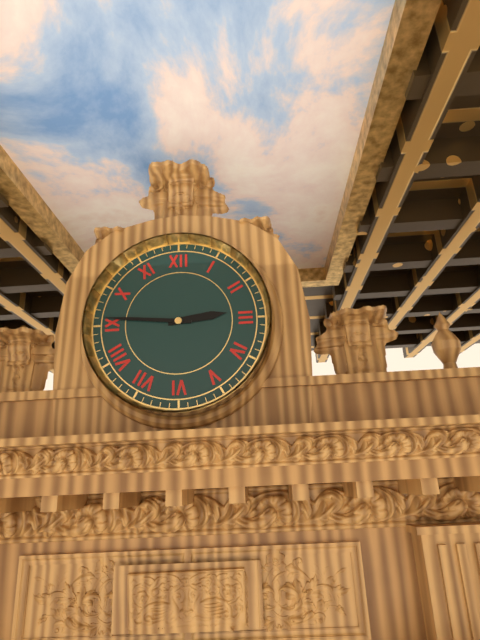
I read 2.46
